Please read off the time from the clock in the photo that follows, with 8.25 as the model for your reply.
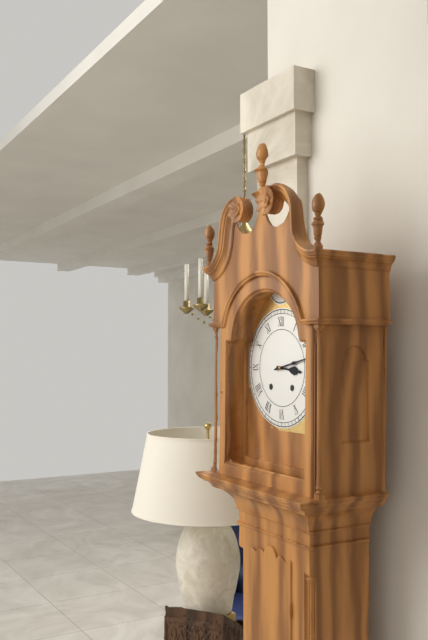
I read 3.13
